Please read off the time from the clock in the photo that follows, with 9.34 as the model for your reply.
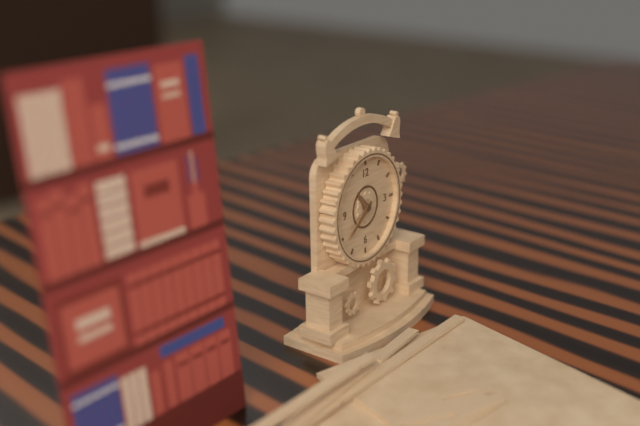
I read 10.39
